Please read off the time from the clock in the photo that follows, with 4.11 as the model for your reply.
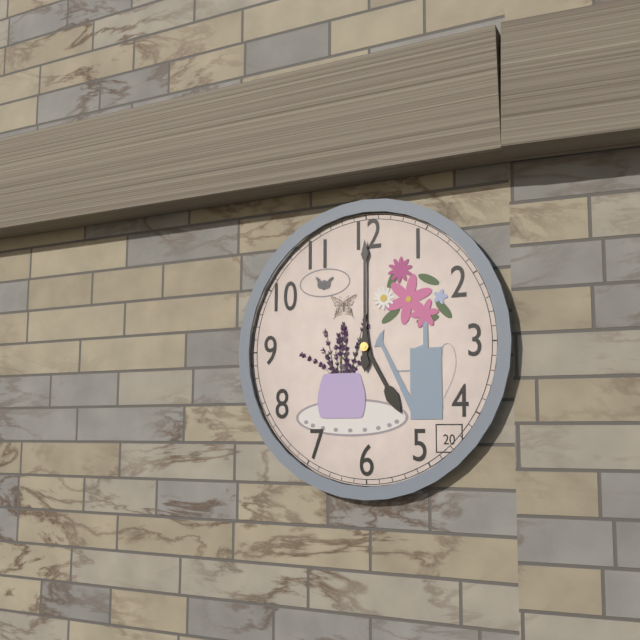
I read 5.00
